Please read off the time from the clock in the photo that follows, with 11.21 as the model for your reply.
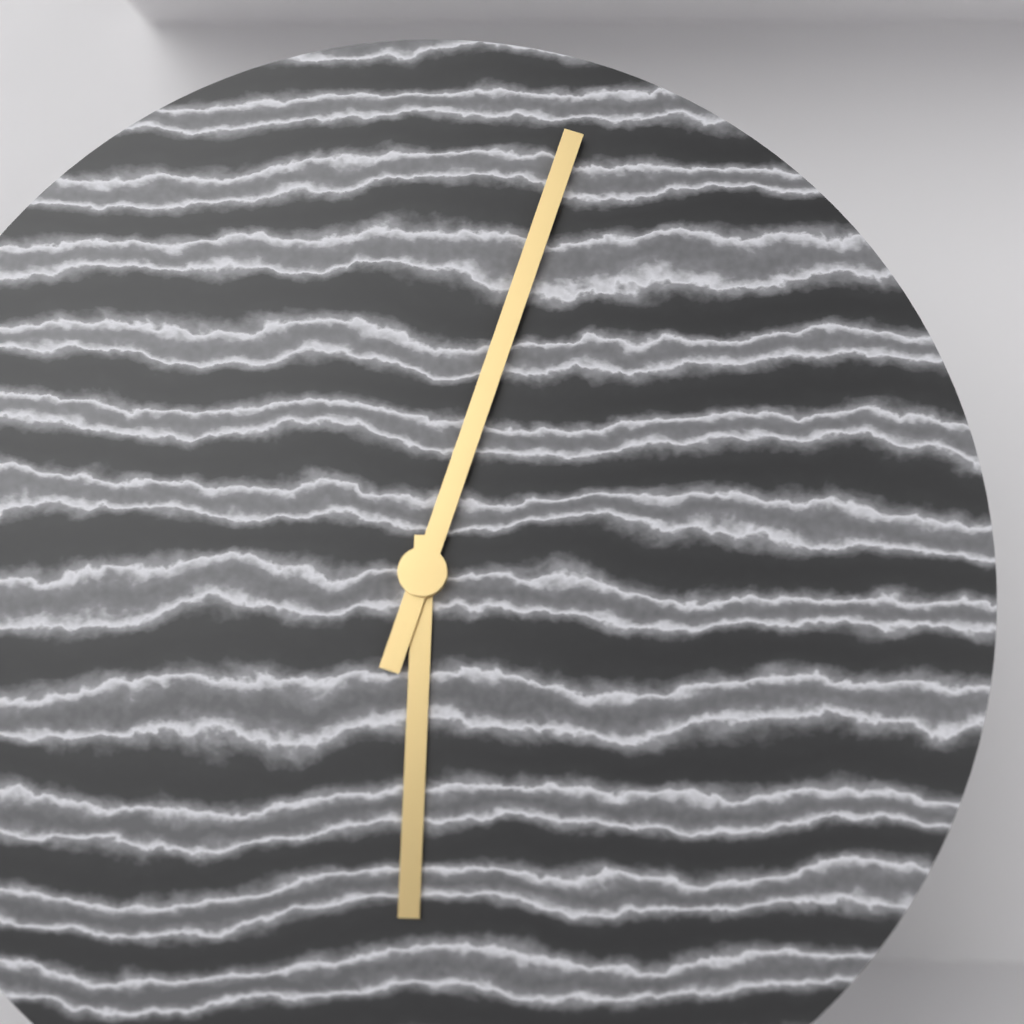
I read 6.03
